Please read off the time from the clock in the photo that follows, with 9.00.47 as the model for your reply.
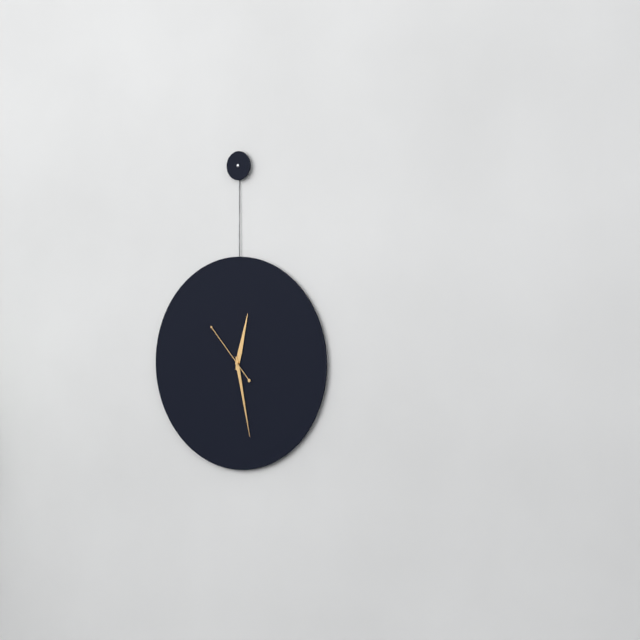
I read 12.28.53
